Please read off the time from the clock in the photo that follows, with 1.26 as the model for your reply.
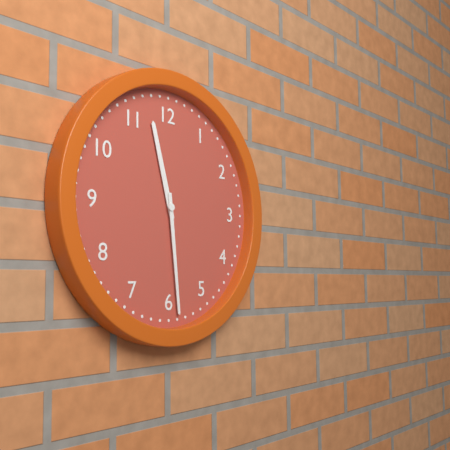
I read 11.29
